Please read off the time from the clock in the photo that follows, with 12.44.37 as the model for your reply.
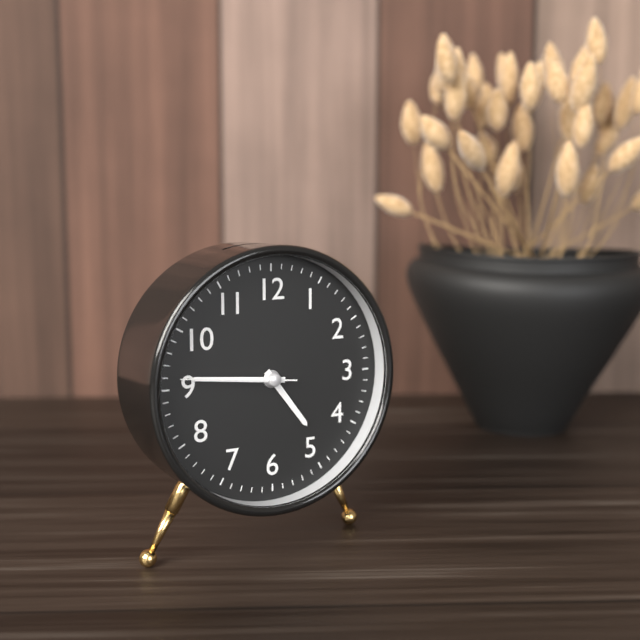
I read 4.46.46
